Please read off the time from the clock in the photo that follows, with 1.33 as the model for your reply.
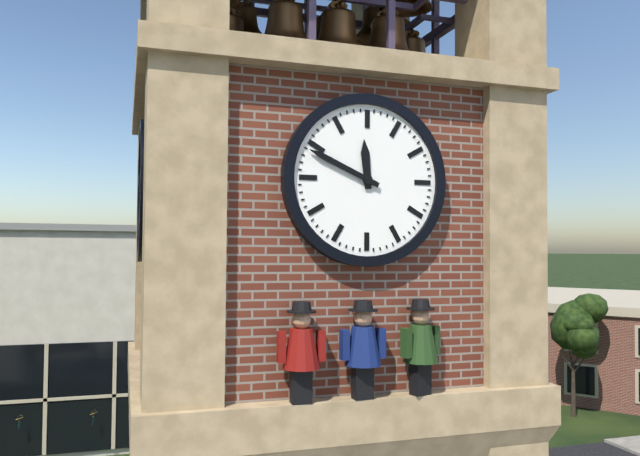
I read 11.49
